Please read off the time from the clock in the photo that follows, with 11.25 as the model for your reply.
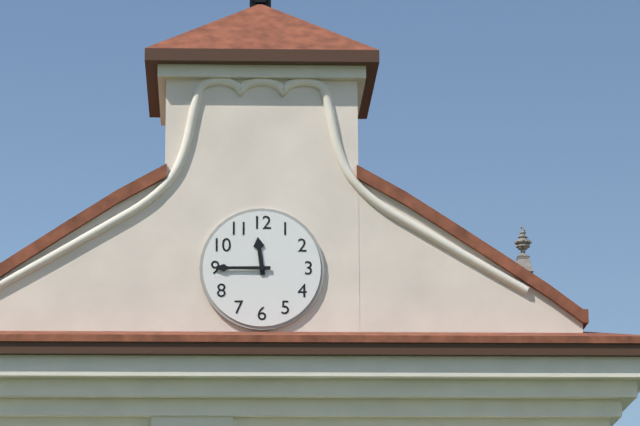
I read 11.45
